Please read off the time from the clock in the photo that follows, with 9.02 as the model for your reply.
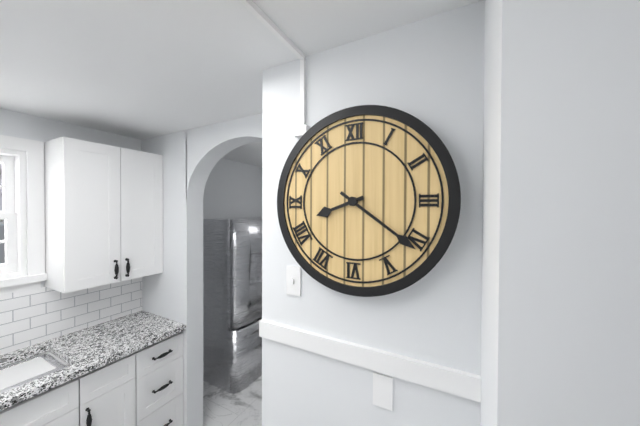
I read 8.21
